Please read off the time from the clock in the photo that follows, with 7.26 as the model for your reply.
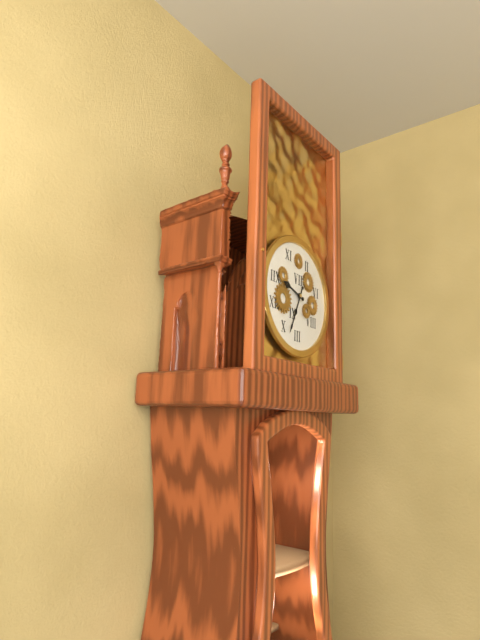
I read 9.34
